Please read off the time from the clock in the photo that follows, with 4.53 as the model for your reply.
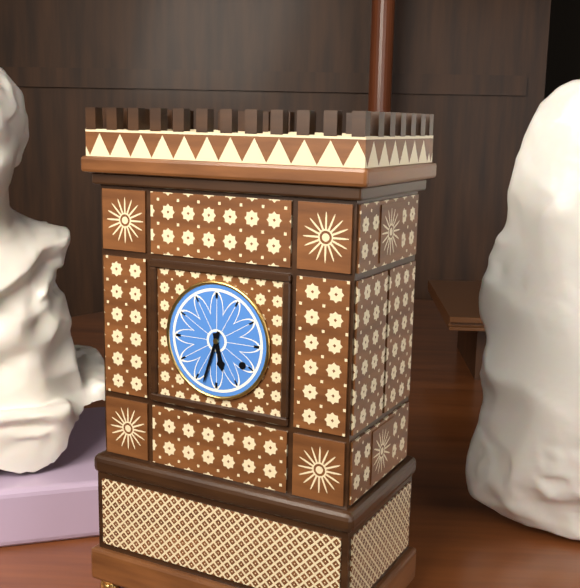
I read 5.33
